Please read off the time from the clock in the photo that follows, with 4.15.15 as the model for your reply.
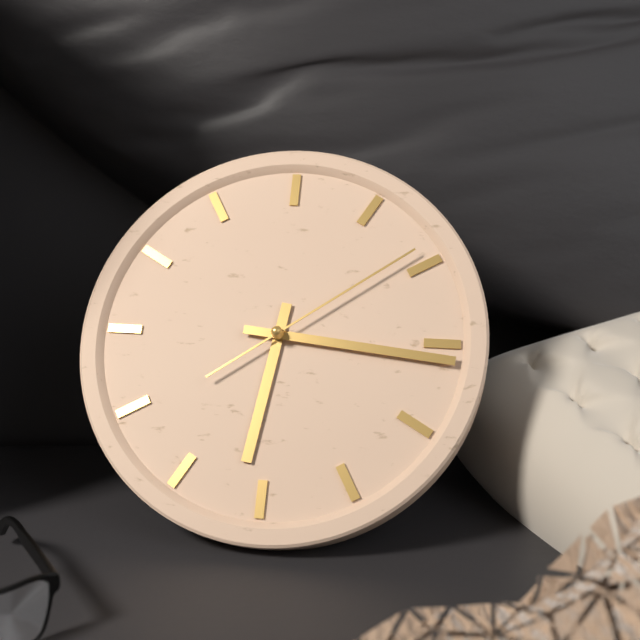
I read 6.16.09
